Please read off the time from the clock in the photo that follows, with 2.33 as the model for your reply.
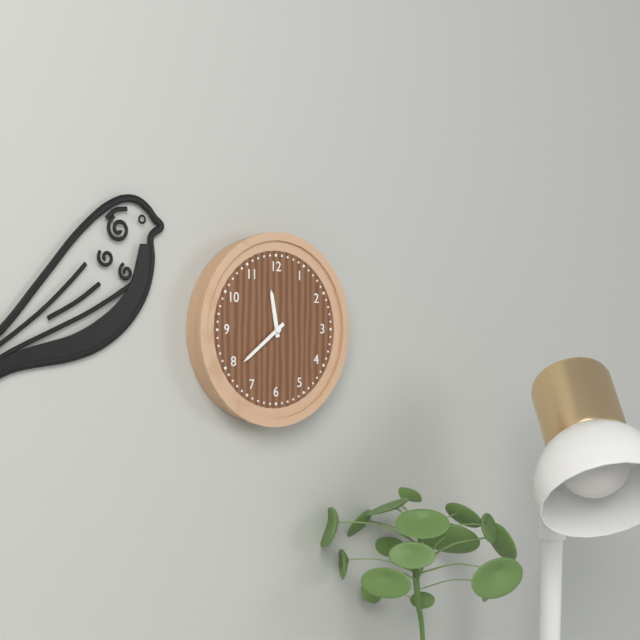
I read 11.39
